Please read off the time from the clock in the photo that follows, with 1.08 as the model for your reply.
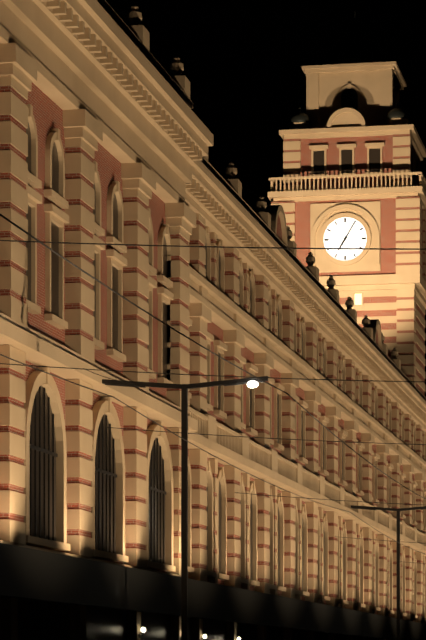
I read 7.05
